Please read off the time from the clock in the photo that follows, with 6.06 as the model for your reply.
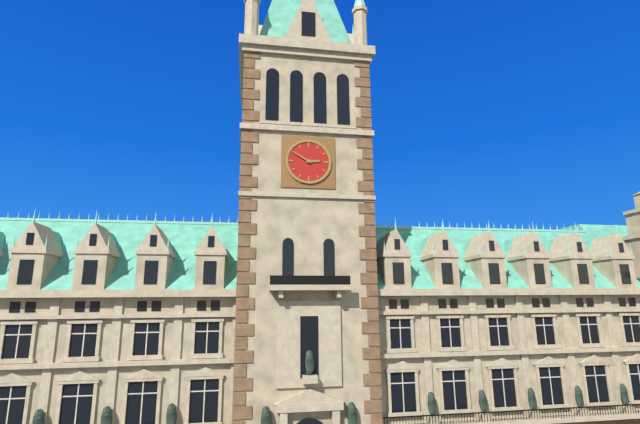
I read 2.50
